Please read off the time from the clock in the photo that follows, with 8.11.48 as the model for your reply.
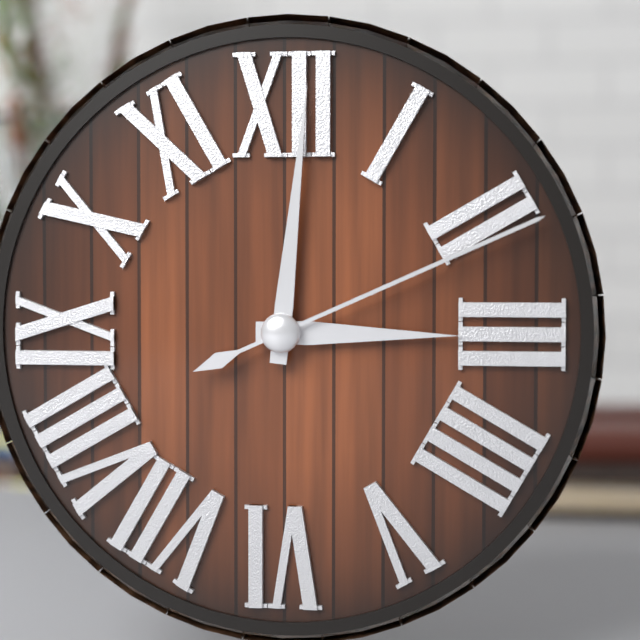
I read 3.01.11
